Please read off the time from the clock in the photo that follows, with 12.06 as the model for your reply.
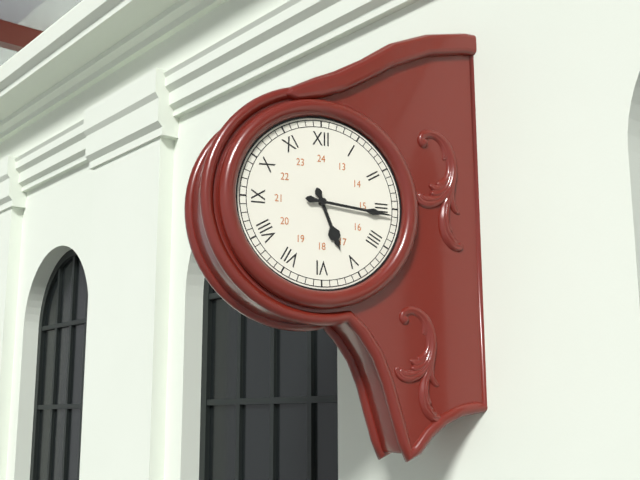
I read 5.16
